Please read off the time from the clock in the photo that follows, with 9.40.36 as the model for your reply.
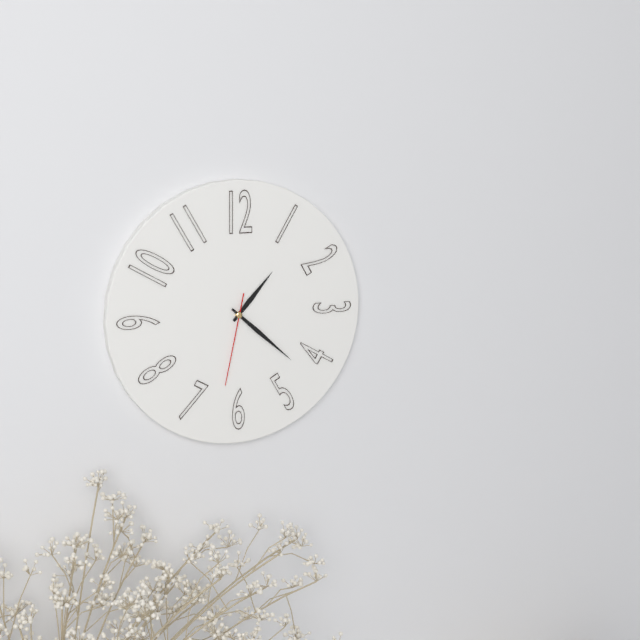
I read 1.22.32
